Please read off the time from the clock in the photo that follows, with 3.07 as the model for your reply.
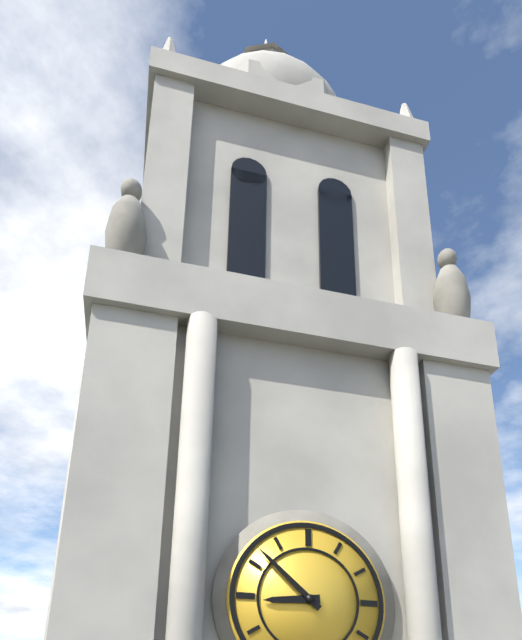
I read 8.52
